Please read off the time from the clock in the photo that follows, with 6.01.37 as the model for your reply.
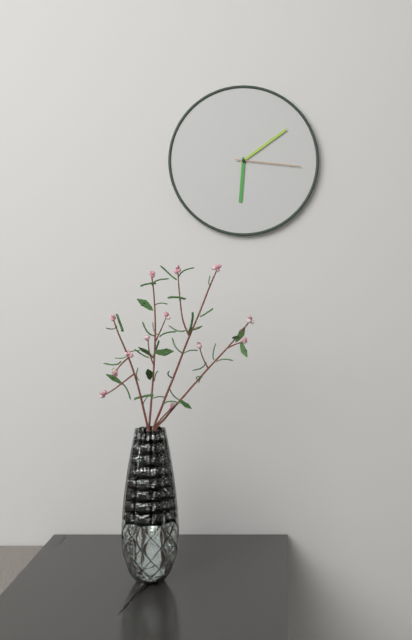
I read 6.09.16
